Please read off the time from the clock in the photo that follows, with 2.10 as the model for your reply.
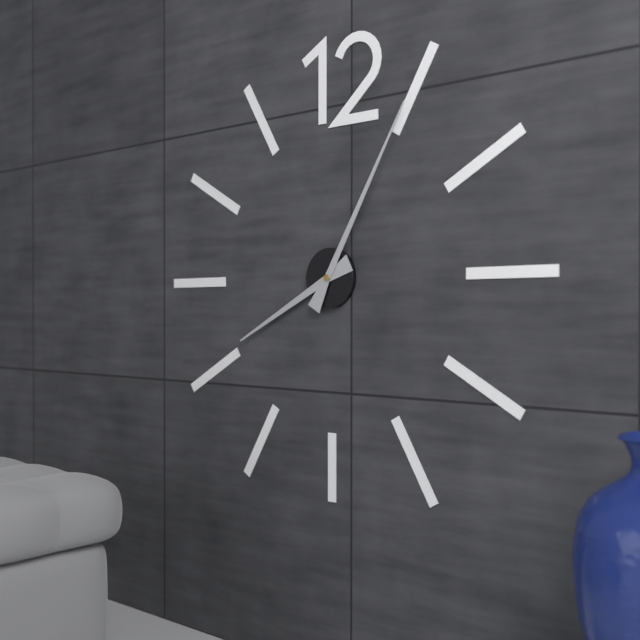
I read 8.05
